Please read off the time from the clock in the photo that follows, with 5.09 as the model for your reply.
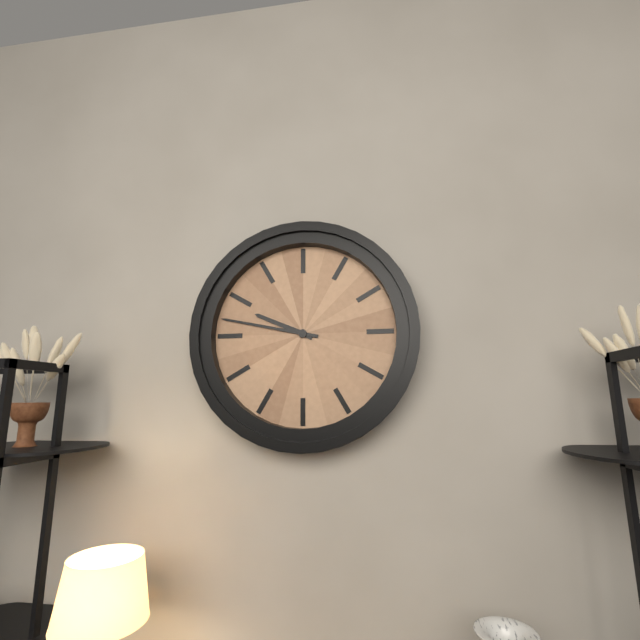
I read 9.47
